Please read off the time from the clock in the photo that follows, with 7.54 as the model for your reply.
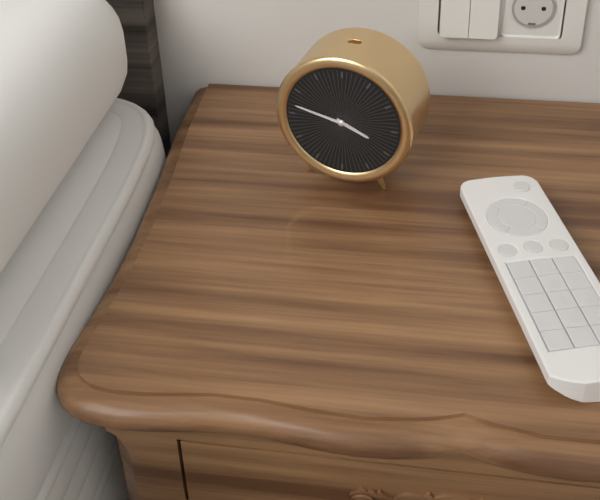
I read 3.47
